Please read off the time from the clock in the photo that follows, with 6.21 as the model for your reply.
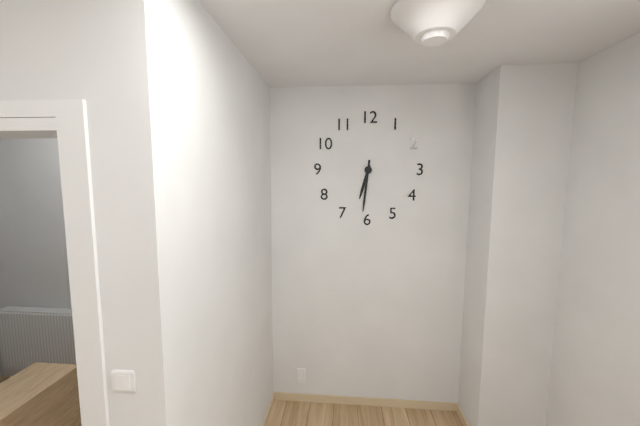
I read 6.31
